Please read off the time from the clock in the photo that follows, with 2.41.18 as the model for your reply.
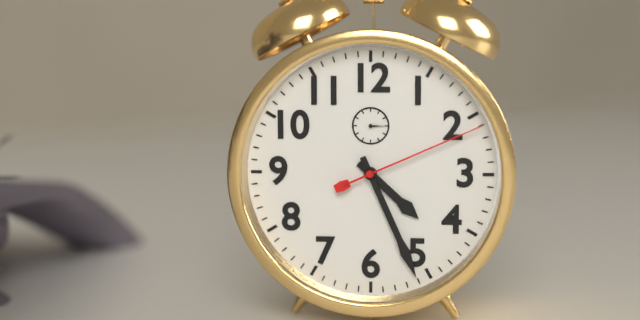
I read 4.26.11
